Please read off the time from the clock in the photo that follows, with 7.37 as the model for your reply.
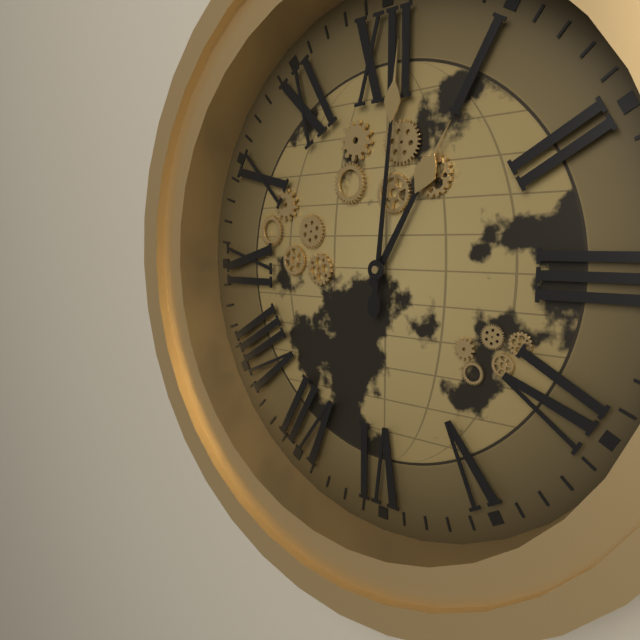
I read 1.01
